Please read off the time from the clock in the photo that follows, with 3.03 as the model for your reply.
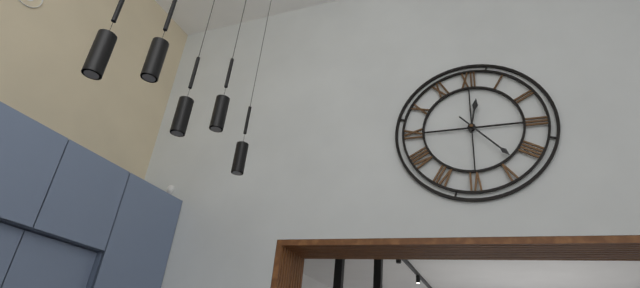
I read 12.23
